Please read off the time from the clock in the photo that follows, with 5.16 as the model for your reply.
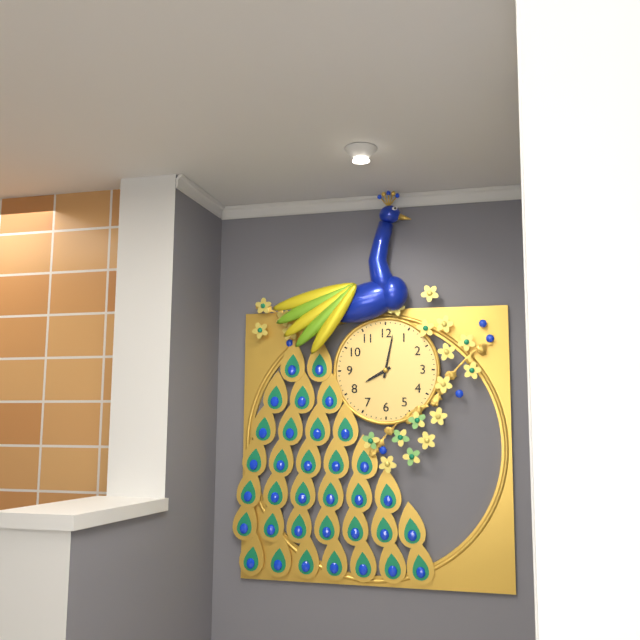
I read 8.02
